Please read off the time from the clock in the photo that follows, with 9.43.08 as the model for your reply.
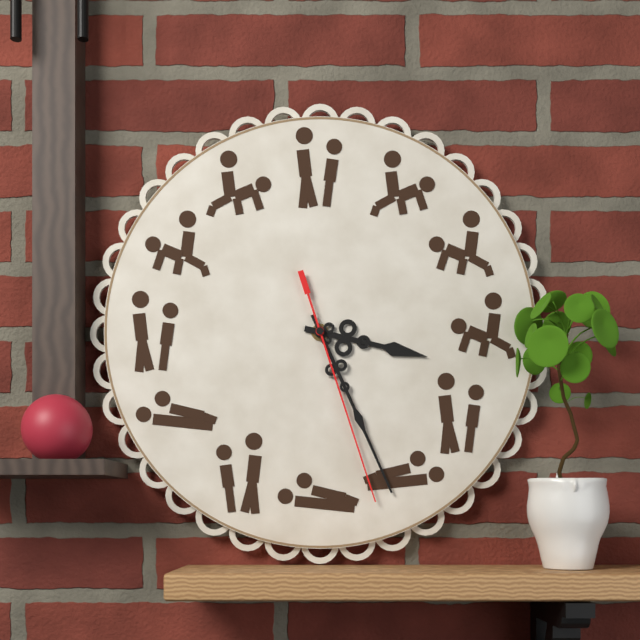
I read 3.26.27
